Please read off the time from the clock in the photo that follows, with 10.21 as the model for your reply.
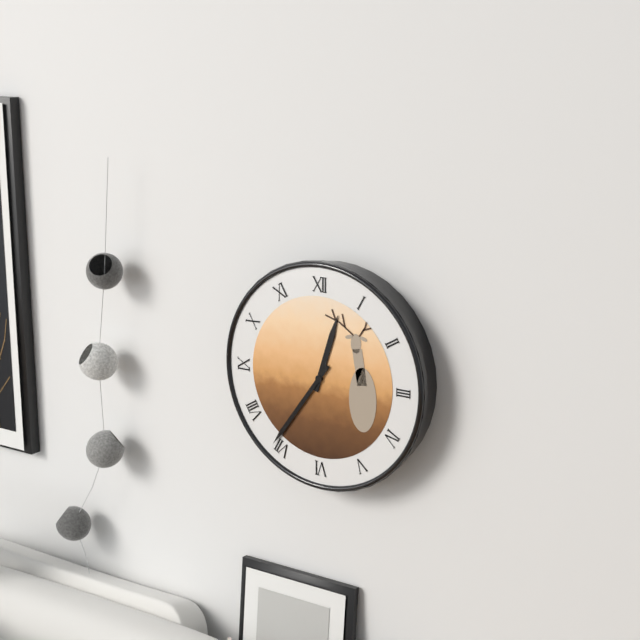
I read 12.36
